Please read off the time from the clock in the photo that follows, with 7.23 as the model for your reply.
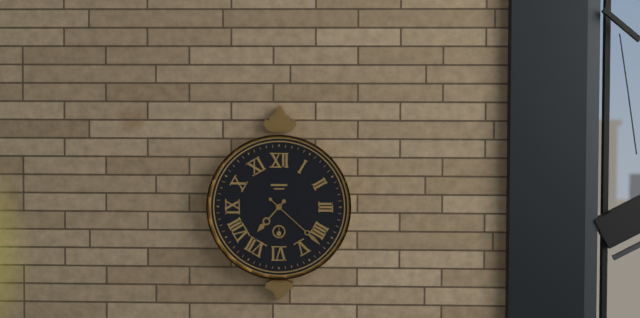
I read 7.22
